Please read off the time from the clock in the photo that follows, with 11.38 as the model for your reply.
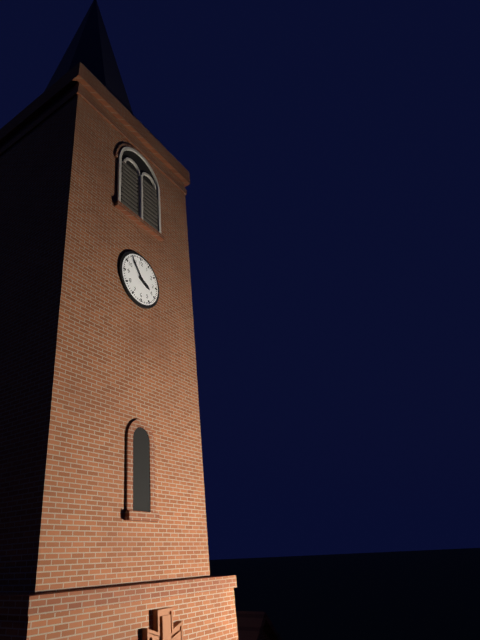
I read 3.54
